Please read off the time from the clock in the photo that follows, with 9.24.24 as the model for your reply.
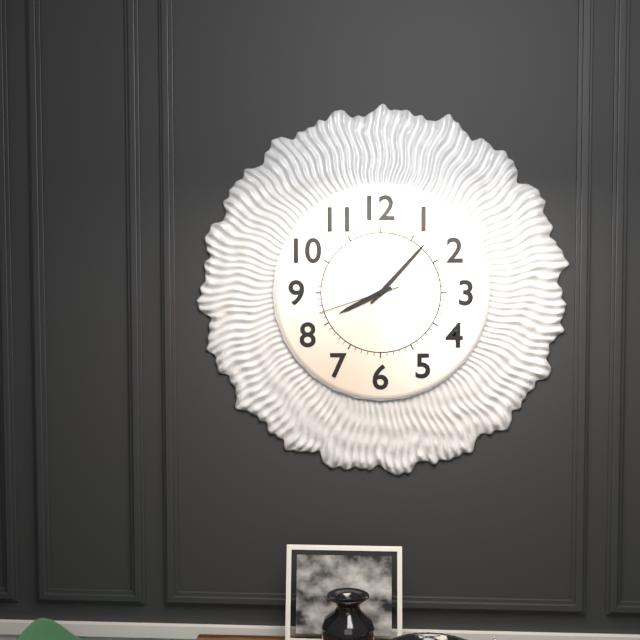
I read 8.07.42
